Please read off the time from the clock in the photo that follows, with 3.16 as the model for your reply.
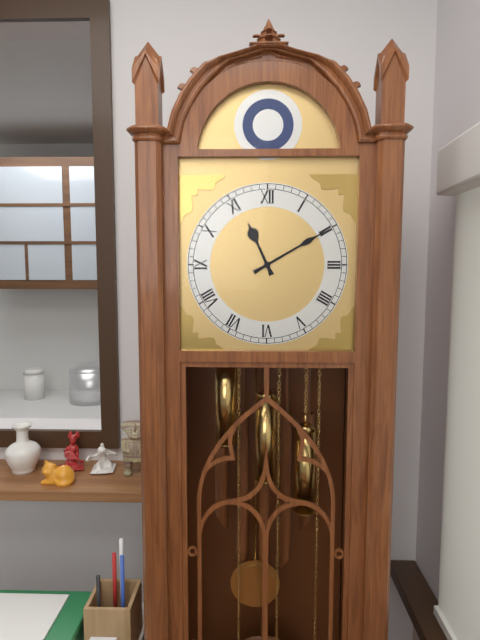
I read 11.10
